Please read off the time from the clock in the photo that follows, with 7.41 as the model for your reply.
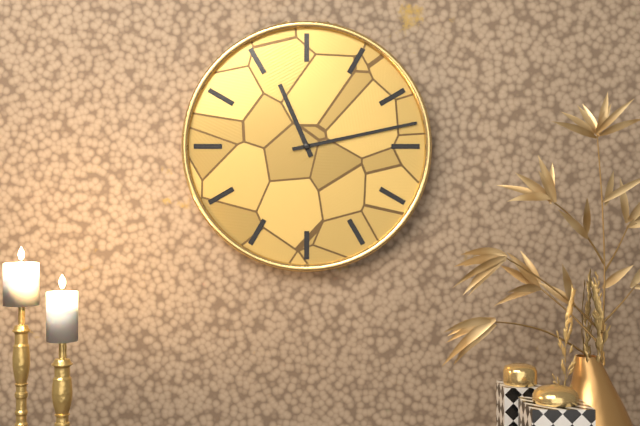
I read 11.13
